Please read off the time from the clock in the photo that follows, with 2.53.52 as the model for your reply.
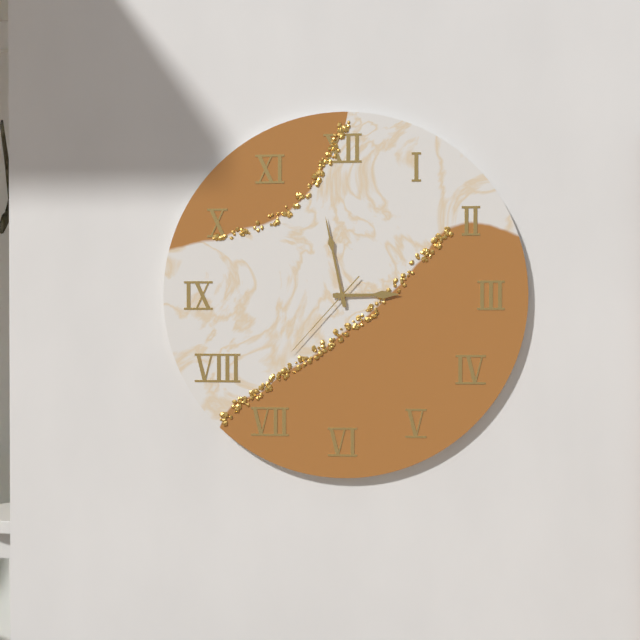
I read 2.58.37
